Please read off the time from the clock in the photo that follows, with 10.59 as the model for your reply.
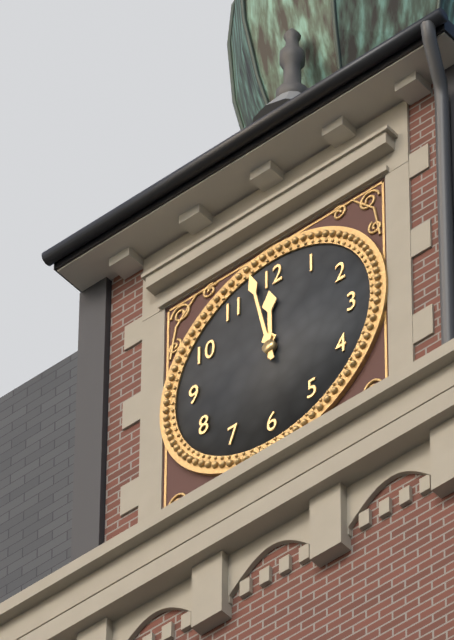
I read 11.58
